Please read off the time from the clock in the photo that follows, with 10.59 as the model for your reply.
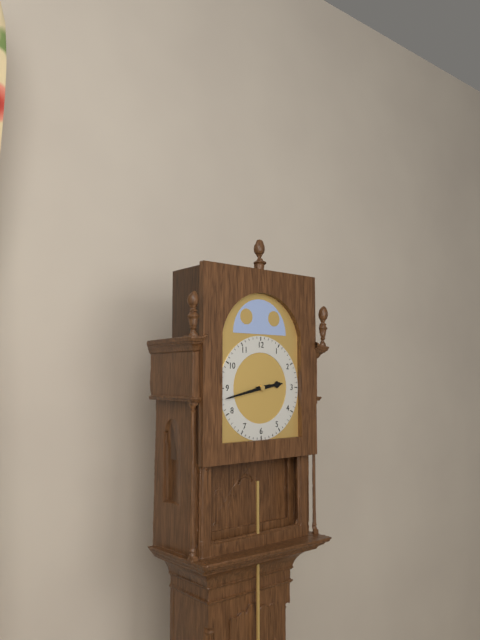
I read 2.43
